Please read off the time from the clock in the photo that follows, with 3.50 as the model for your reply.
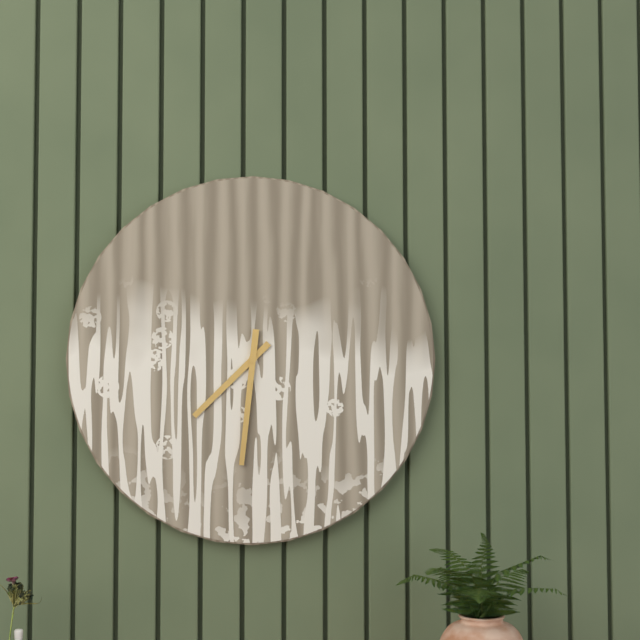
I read 7.31
